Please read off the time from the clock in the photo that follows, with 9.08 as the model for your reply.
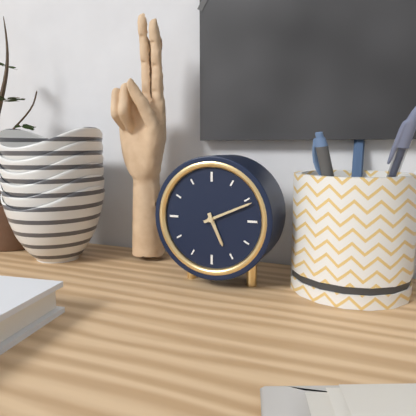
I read 5.11
